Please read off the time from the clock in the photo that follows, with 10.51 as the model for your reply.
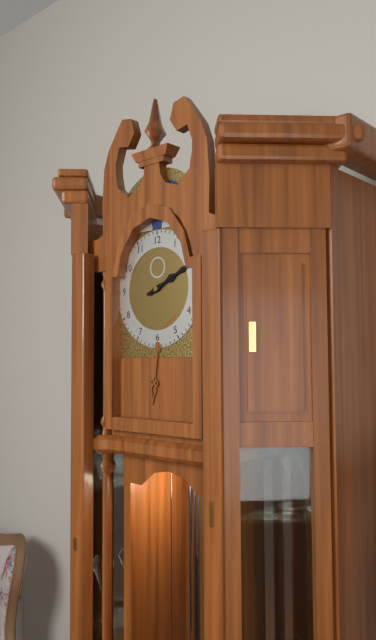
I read 2.11
